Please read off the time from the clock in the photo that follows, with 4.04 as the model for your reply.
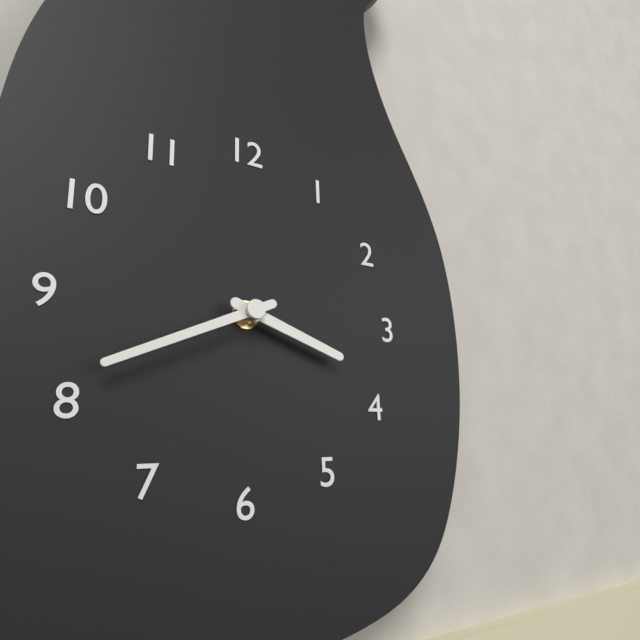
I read 3.41
